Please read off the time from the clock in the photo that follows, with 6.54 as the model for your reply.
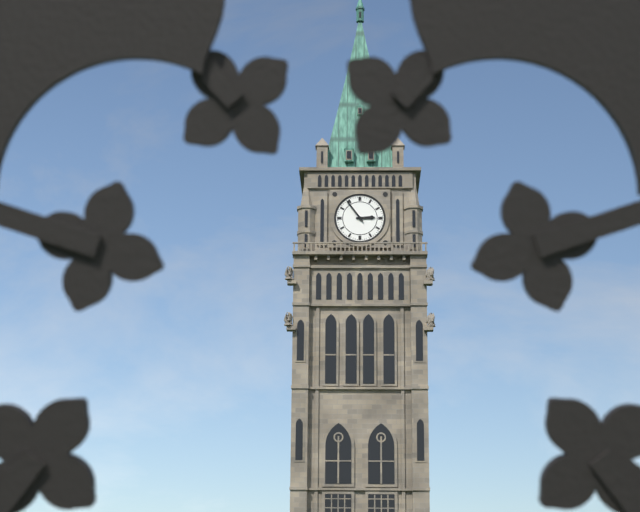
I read 2.54
